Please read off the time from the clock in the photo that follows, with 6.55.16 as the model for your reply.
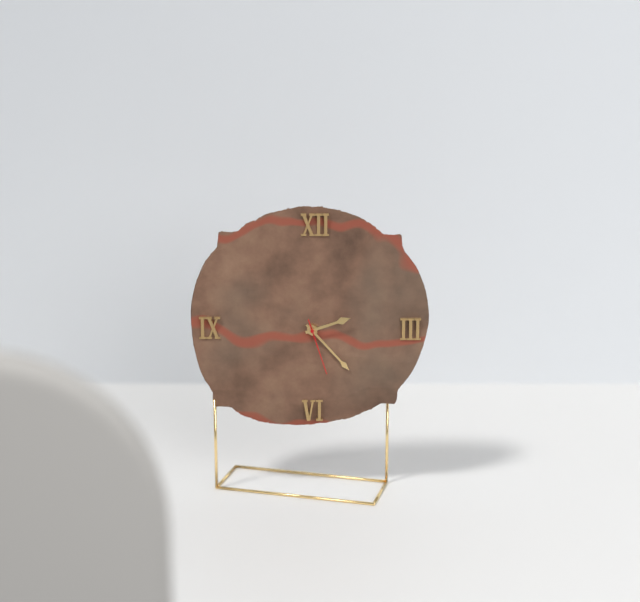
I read 2.23.27
